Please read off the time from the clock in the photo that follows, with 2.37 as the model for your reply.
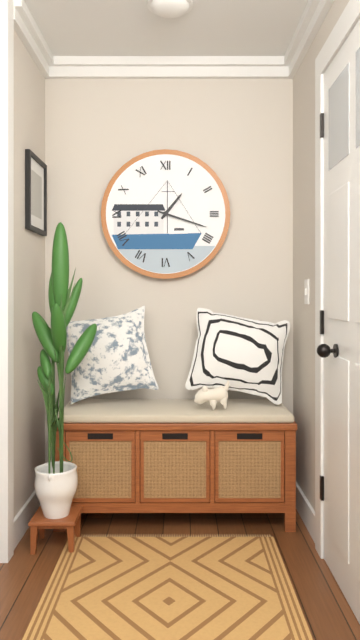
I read 1.18
